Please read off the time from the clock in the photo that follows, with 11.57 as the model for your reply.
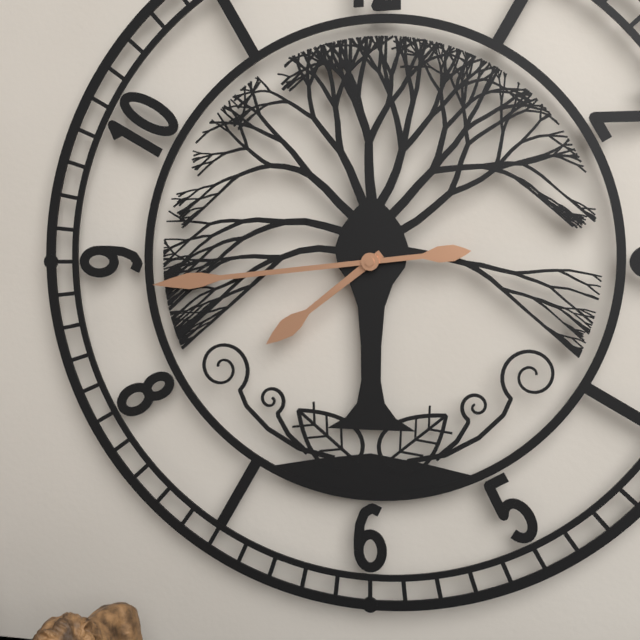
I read 7.44
